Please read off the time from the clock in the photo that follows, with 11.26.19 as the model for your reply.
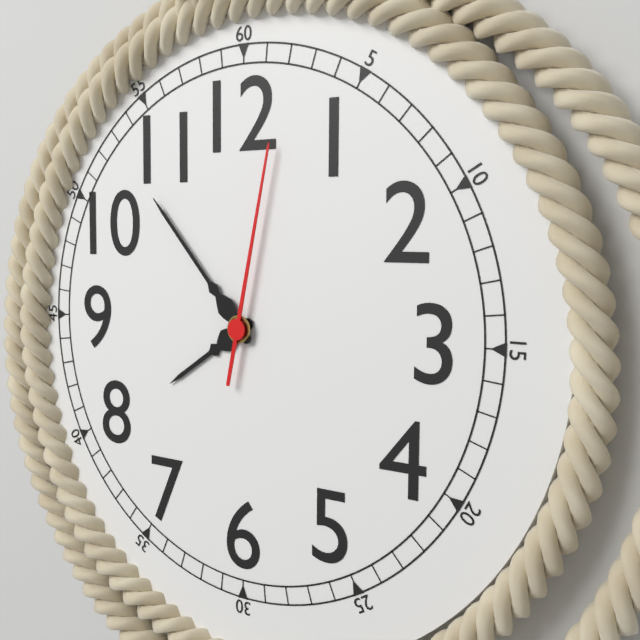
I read 7.53.02
